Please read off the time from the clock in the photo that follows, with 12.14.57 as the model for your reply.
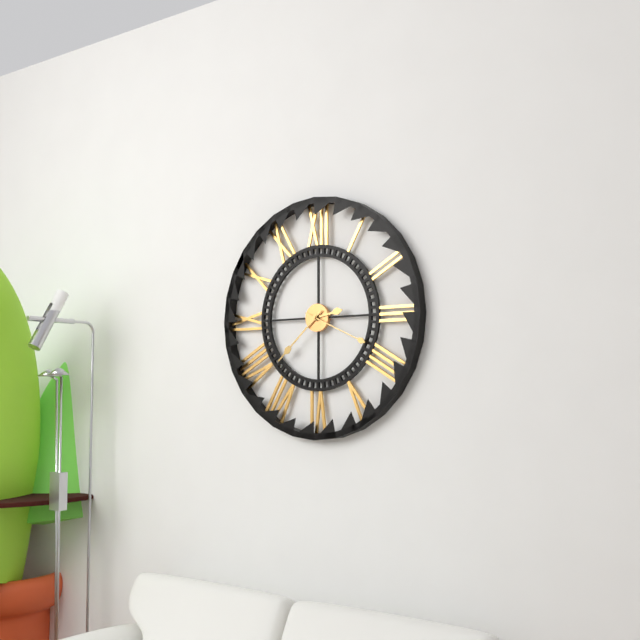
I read 2.38.19
